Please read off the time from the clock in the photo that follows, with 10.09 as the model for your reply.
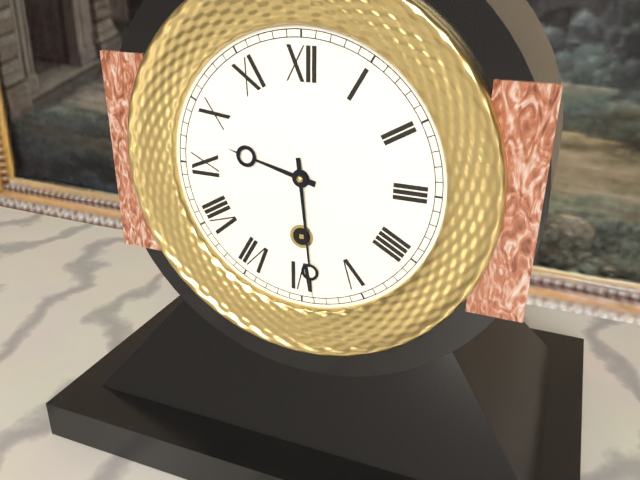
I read 9.29
